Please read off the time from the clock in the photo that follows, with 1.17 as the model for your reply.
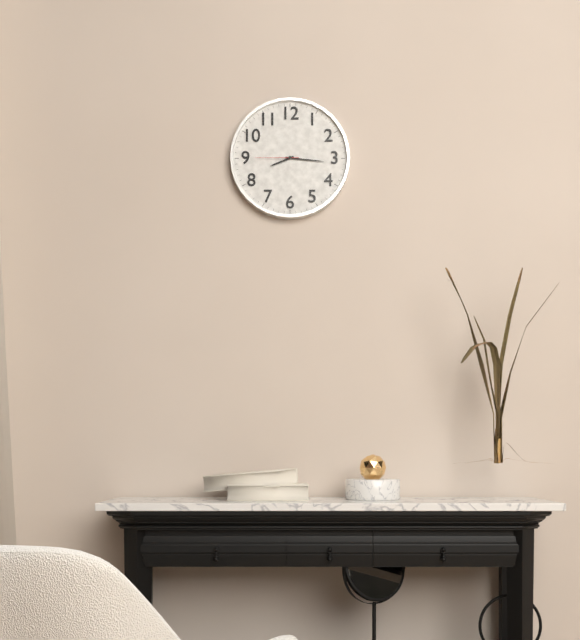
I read 8.16
